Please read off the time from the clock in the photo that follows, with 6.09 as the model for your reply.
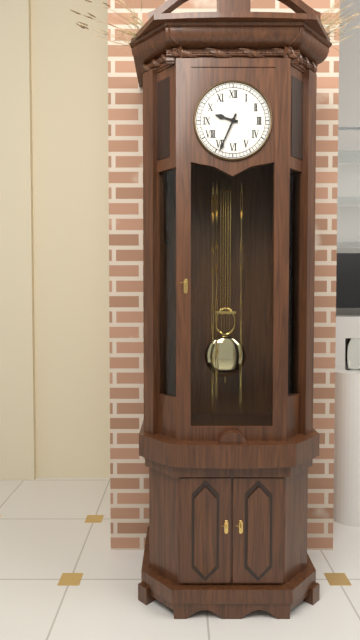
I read 9.34
